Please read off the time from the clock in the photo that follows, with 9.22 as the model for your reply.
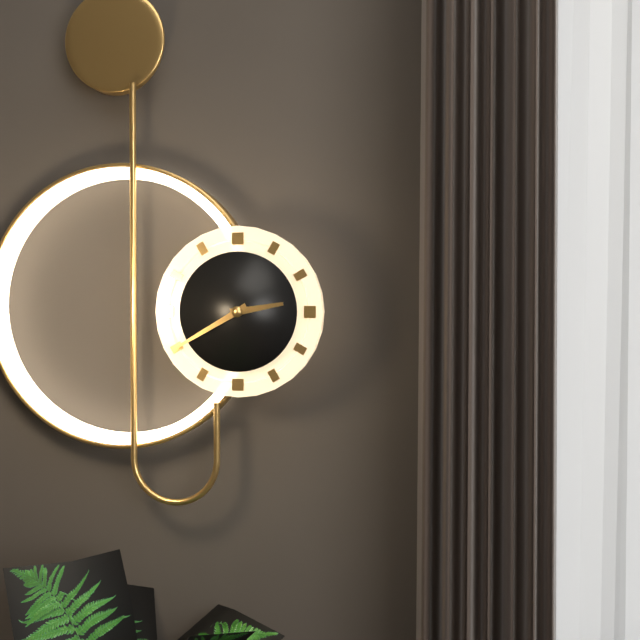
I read 2.40
